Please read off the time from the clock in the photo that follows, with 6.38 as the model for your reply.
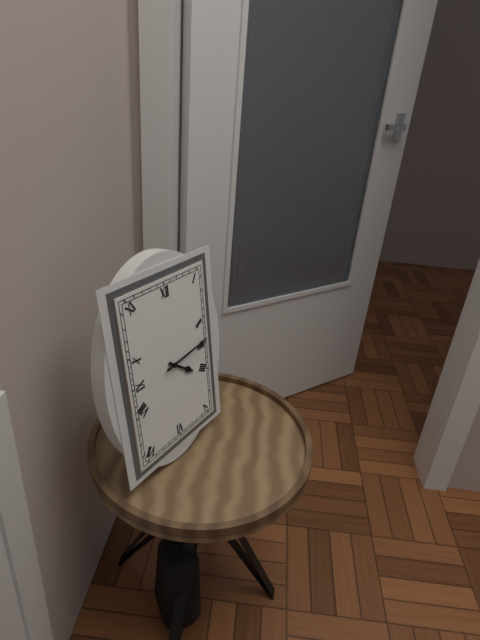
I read 4.14
